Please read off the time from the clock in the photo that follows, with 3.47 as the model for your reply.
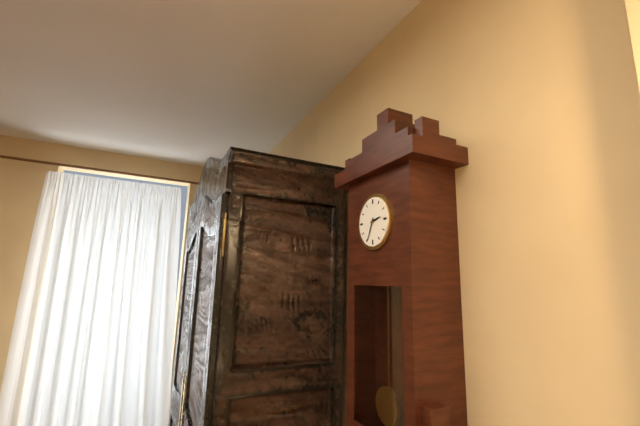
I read 2.34
